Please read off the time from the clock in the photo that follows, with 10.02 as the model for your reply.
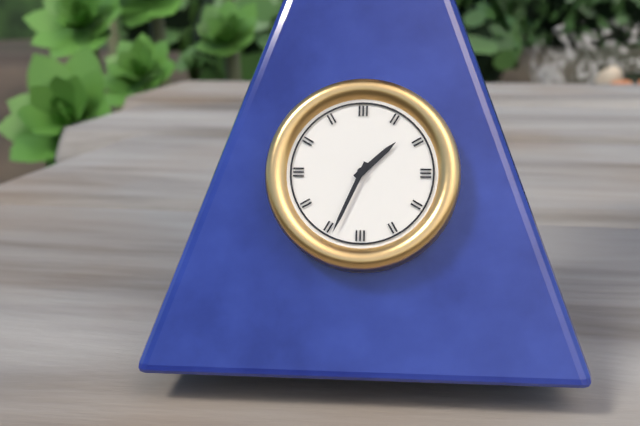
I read 1.34
